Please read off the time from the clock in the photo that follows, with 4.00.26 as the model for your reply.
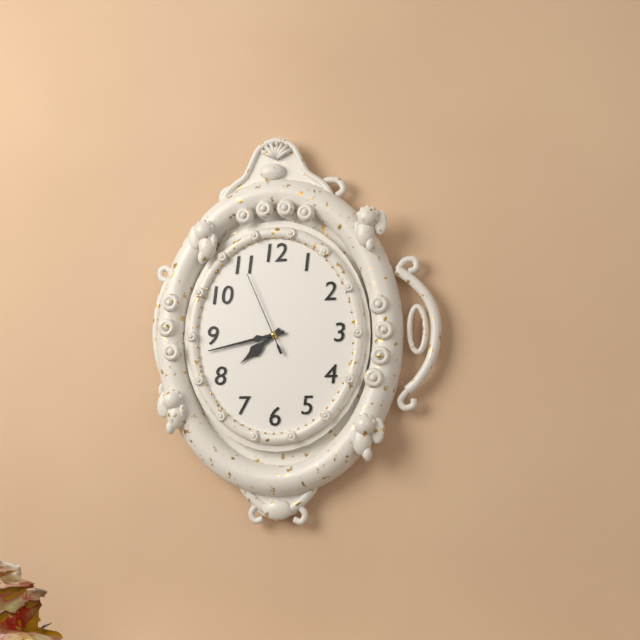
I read 7.43.56
